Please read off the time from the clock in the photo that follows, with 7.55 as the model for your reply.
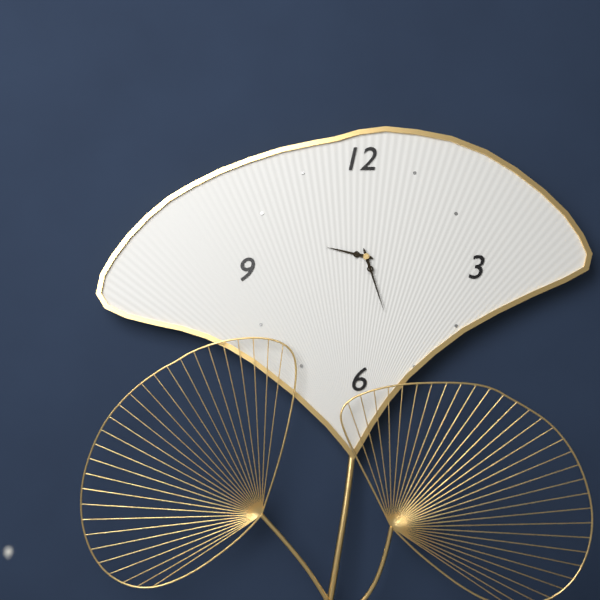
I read 9.27
